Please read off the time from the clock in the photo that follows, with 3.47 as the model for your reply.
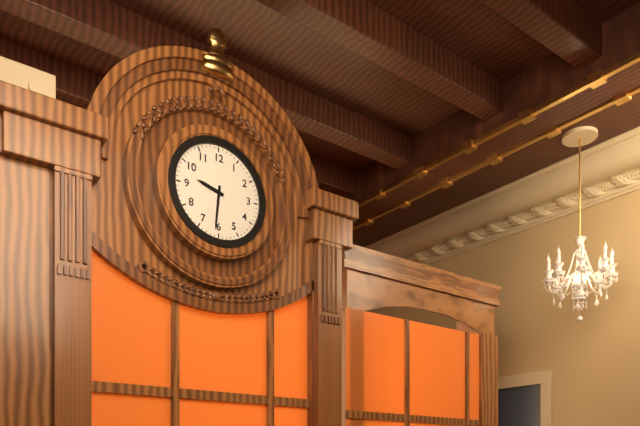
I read 9.31
